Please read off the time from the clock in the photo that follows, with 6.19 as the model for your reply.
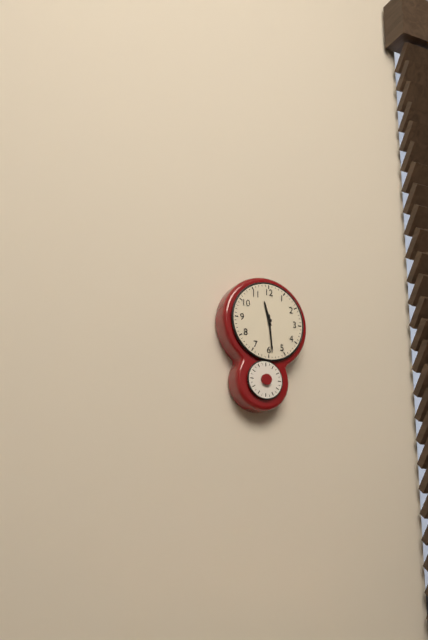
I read 11.29
